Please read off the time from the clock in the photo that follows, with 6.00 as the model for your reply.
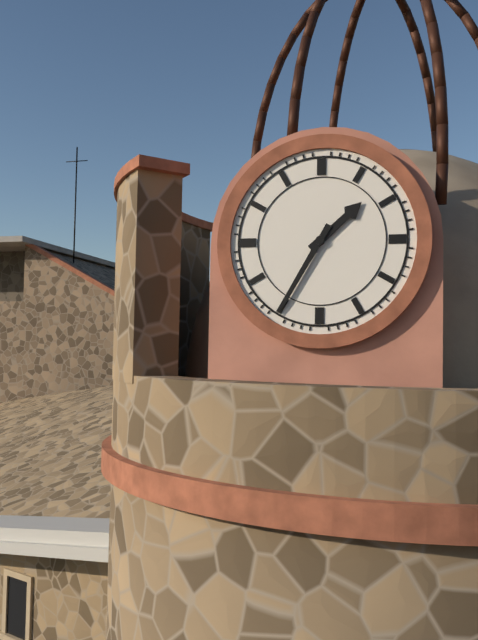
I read 1.35
